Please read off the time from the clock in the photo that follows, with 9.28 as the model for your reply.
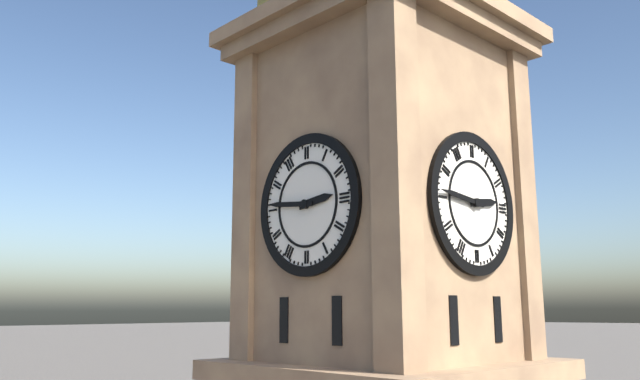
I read 2.46
